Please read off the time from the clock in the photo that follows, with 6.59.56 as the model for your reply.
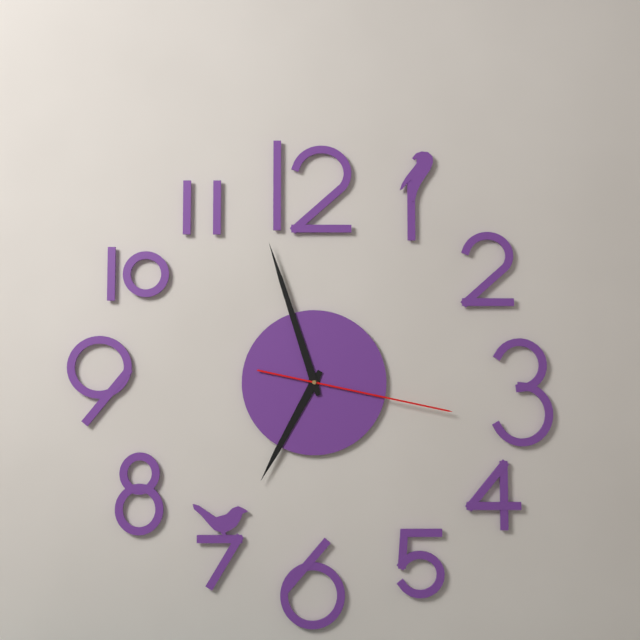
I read 6.57.17
